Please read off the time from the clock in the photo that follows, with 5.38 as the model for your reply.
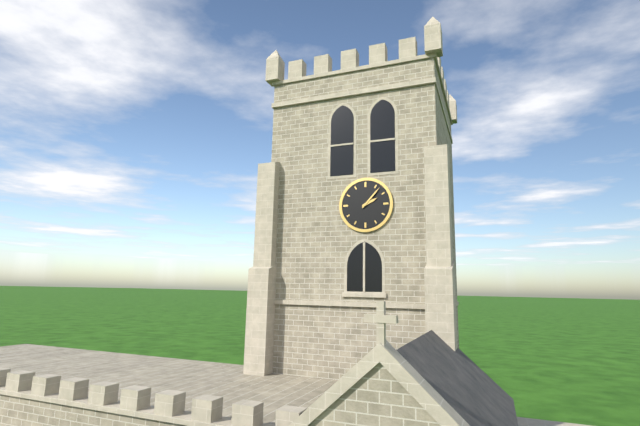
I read 2.07
